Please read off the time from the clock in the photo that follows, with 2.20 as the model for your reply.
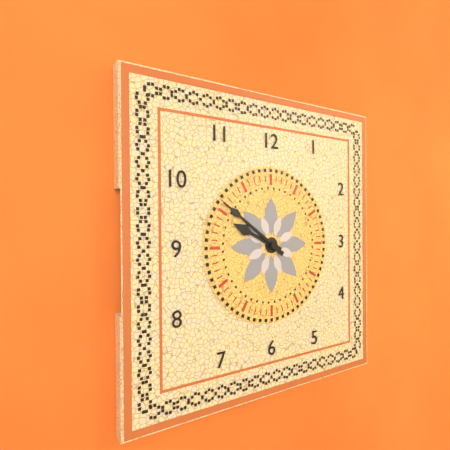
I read 9.51
